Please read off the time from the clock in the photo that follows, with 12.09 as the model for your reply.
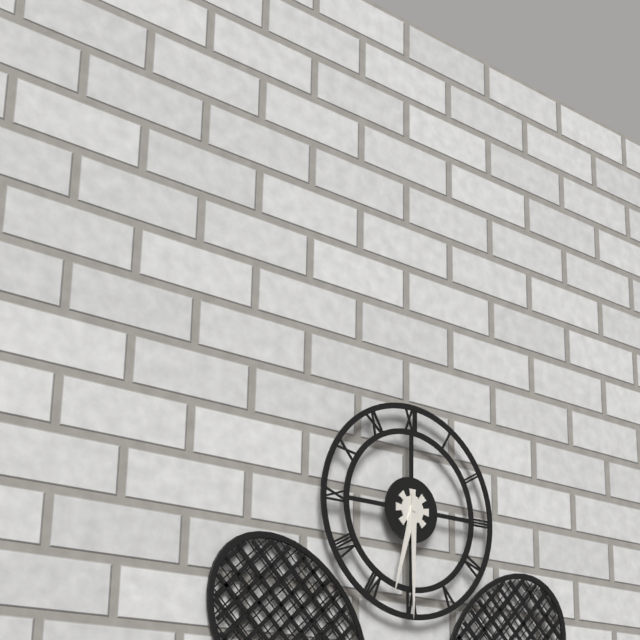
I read 6.30
